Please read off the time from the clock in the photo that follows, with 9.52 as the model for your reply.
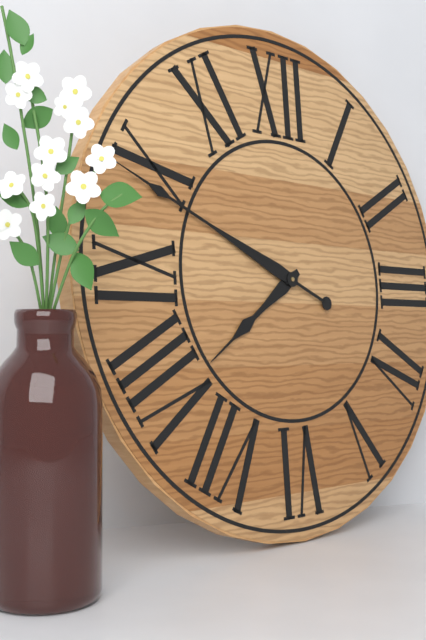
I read 7.49
